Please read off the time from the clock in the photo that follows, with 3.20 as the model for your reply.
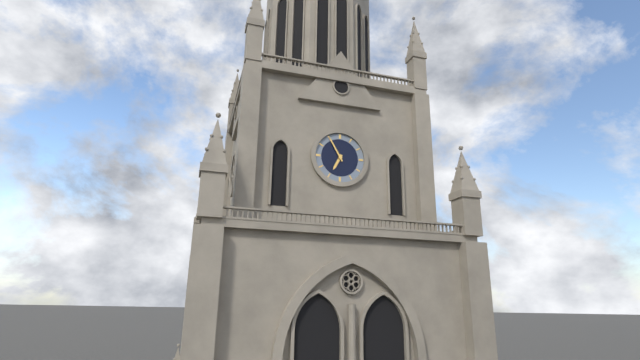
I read 6.55
